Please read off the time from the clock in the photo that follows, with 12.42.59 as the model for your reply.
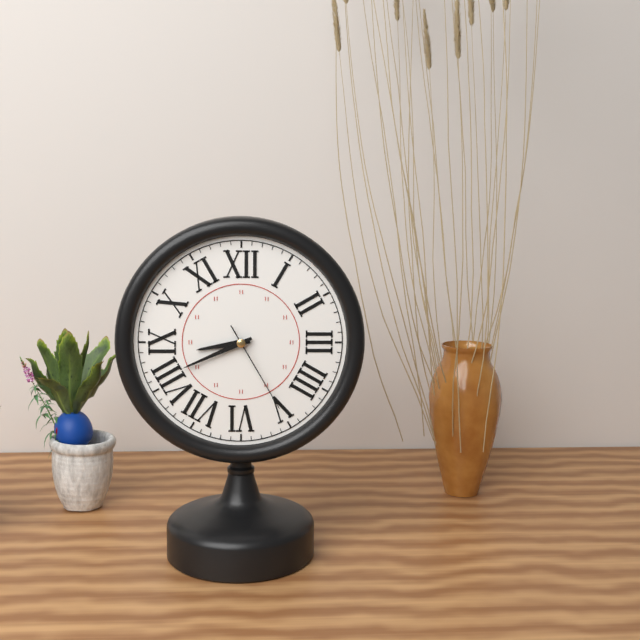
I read 8.41.25
